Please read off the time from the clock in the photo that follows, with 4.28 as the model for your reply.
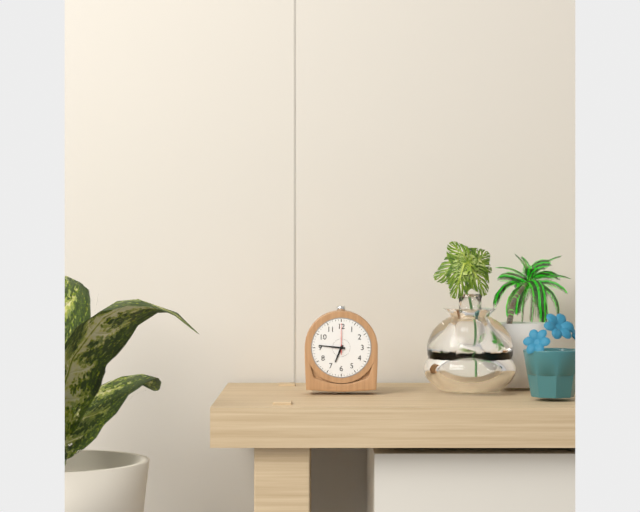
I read 6.46
